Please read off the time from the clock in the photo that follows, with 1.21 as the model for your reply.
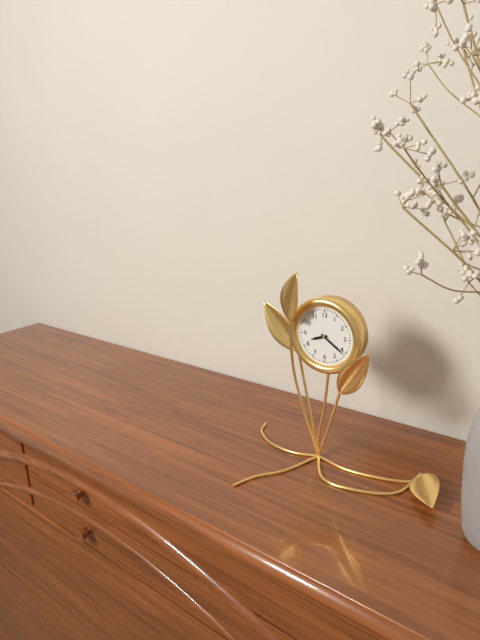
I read 8.21
